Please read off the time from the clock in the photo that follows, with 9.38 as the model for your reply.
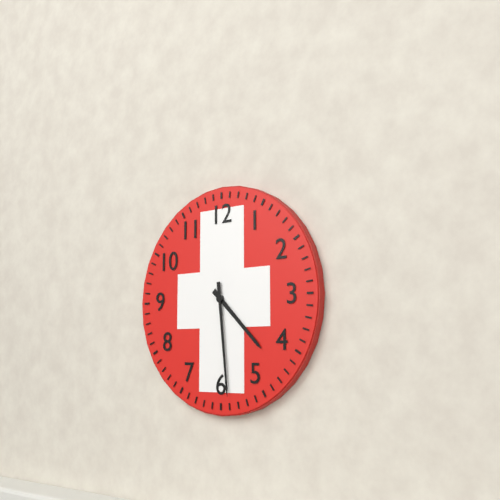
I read 4.29
